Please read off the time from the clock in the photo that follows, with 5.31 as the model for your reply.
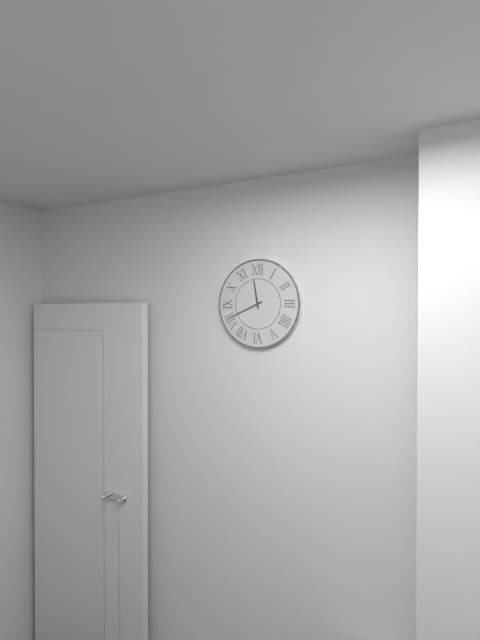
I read 11.41
